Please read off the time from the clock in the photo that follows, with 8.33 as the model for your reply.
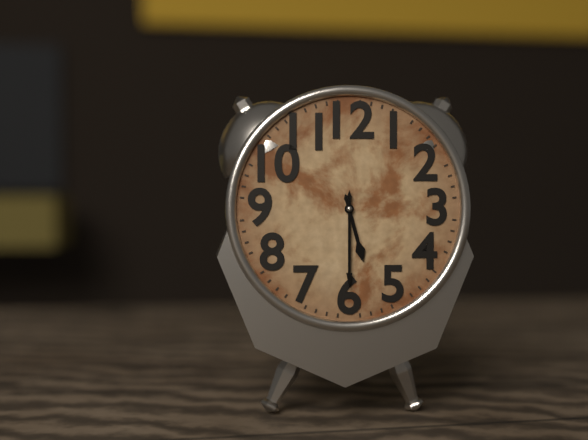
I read 5.30
